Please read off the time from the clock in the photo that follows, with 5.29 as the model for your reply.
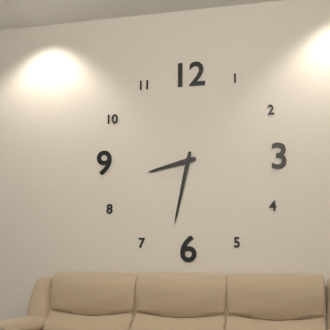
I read 8.32
